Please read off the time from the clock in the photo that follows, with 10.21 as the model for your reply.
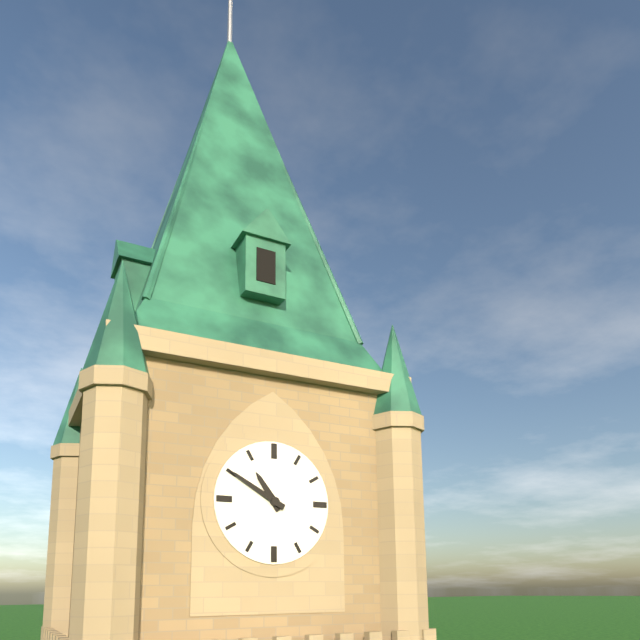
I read 10.50
